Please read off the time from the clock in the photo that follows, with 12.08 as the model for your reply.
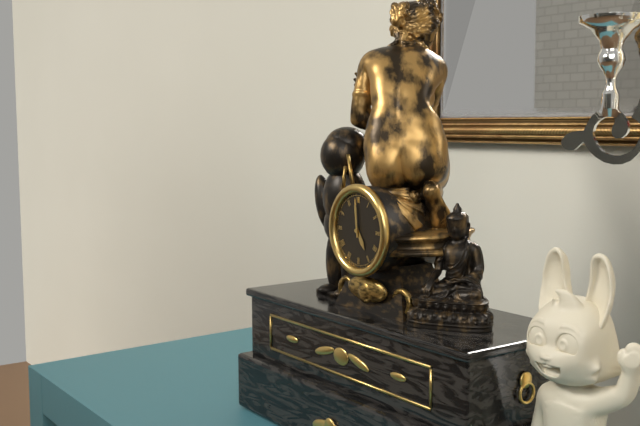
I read 4.59
